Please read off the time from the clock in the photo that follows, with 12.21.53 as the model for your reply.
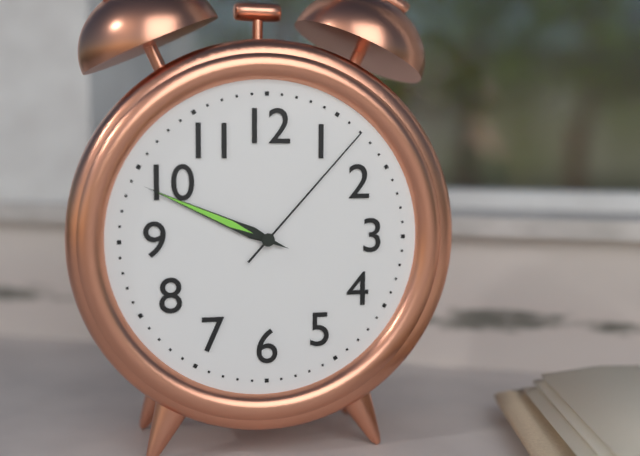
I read 9.49.07
